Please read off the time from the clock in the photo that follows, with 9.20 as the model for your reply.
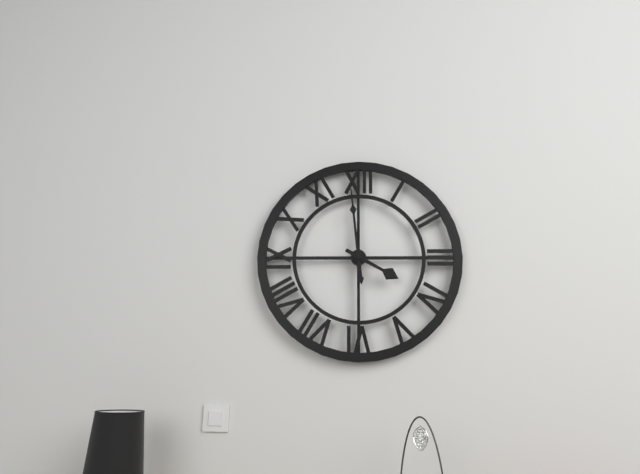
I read 3.59
